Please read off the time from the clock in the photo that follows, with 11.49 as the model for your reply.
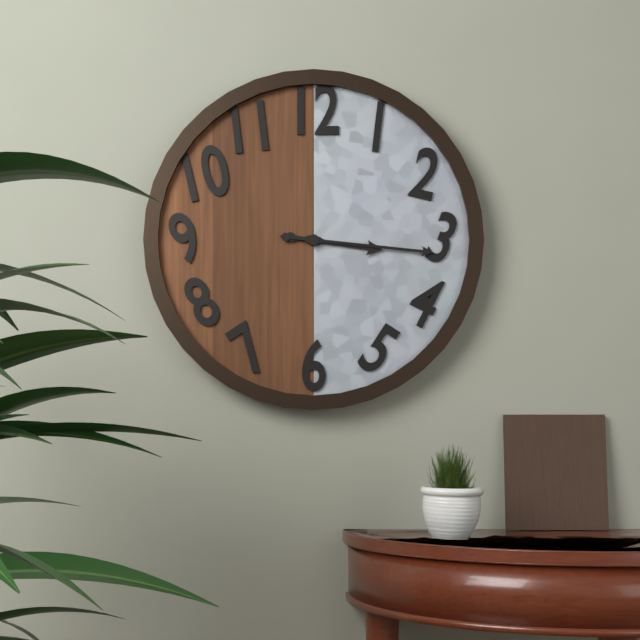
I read 3.16
